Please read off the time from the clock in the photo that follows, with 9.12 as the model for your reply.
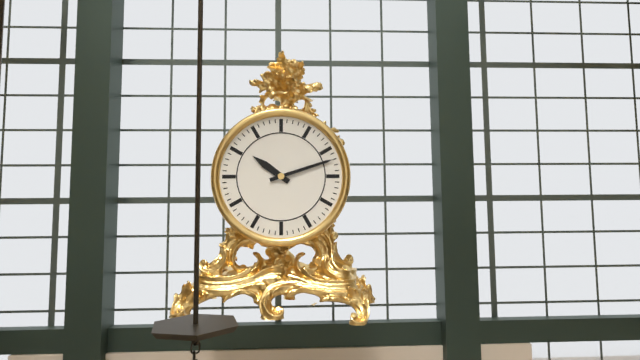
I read 10.12
